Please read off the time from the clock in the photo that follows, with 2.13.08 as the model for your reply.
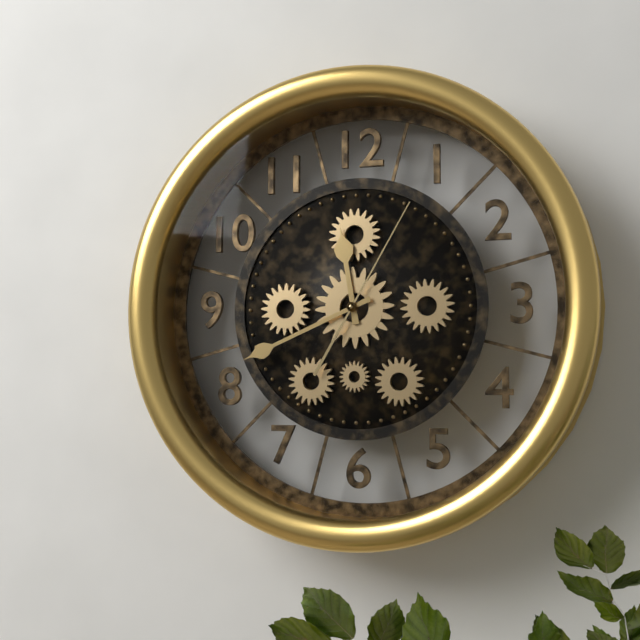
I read 11.41.05
